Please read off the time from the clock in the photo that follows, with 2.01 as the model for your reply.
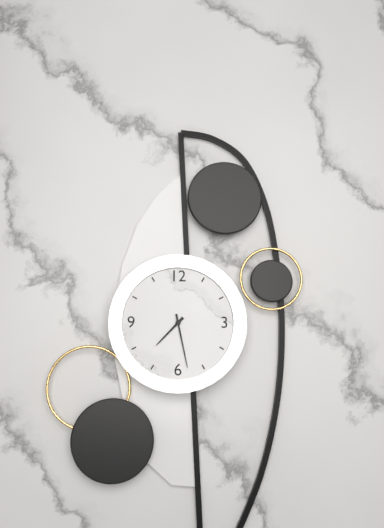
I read 7.28
